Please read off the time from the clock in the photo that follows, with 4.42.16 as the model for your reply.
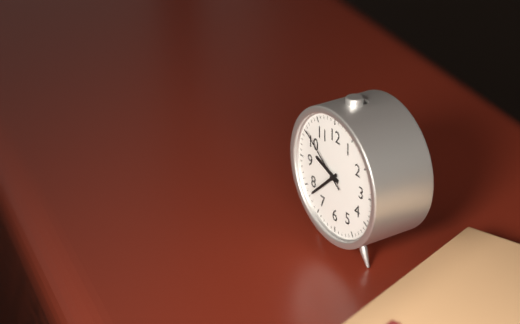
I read 9.38.51
